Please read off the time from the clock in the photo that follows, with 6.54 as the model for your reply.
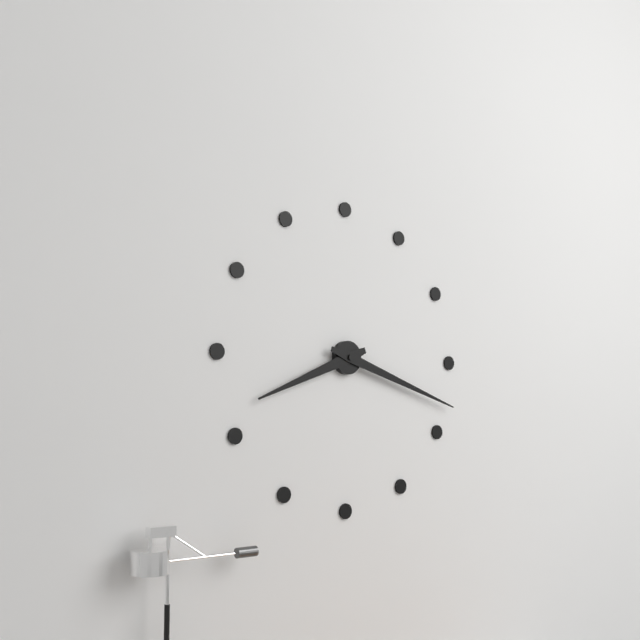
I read 8.18
